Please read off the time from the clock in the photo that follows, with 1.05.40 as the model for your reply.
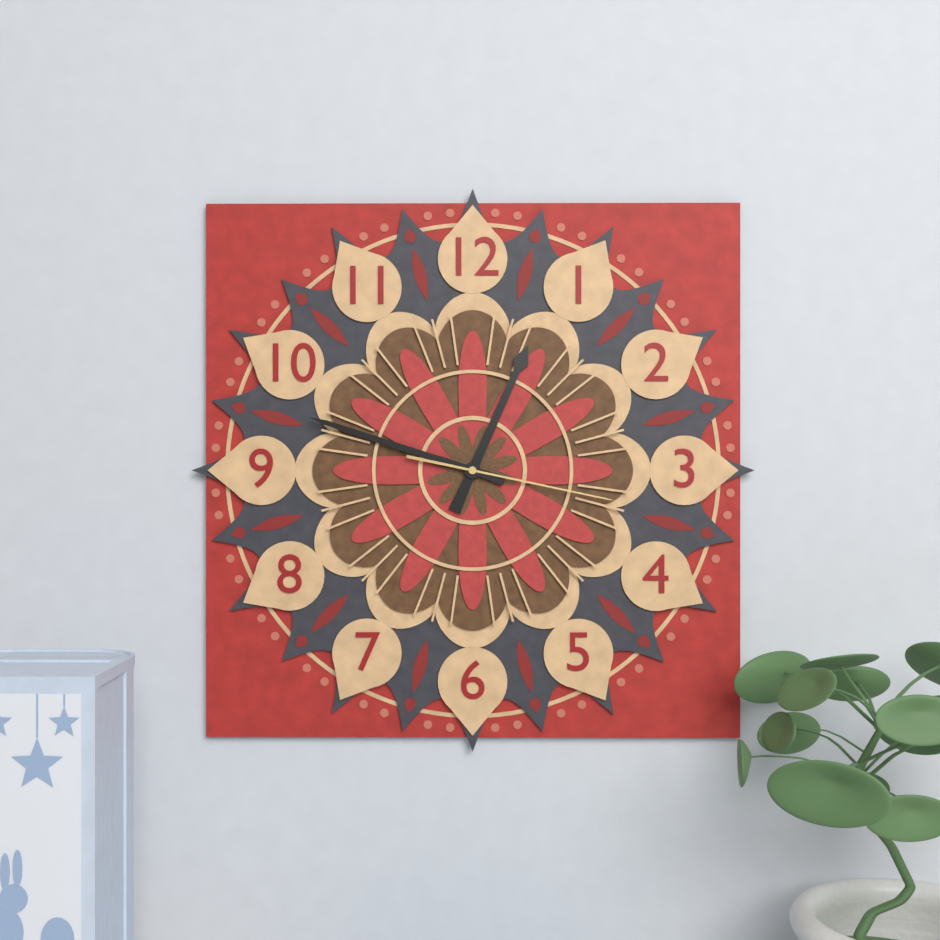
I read 12.48.17
